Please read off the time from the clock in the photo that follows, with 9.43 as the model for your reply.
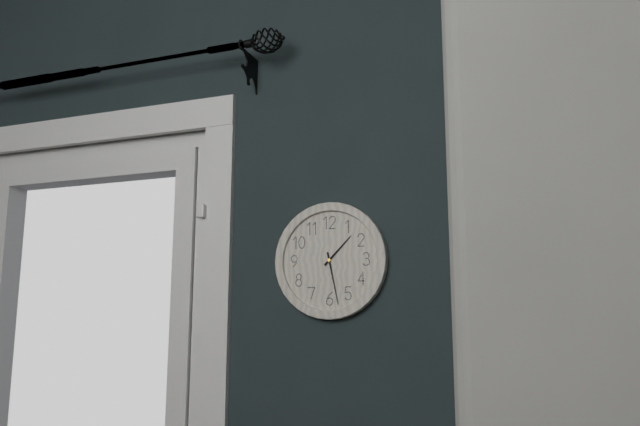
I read 1.28
